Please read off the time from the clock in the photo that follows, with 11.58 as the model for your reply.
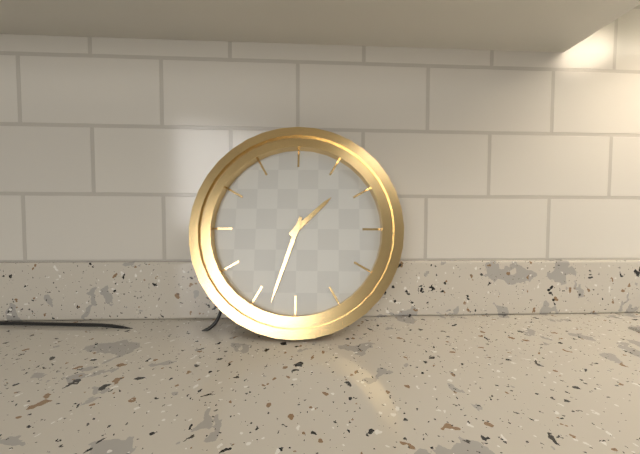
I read 1.33
